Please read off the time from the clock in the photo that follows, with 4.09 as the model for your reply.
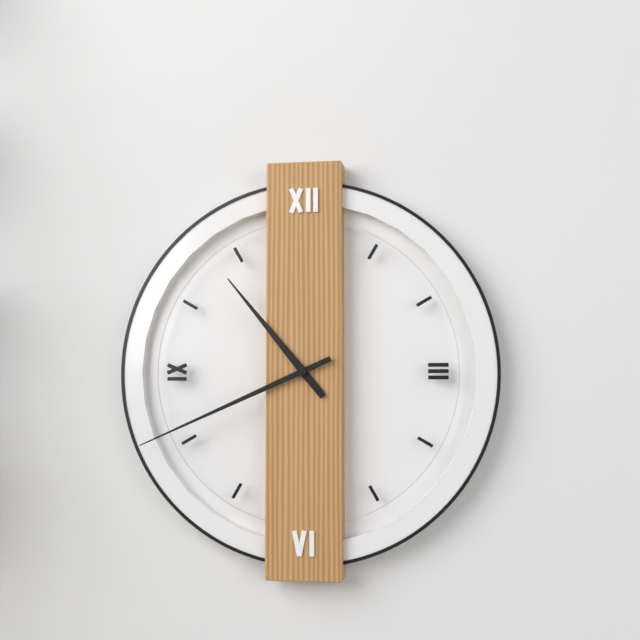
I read 10.41
